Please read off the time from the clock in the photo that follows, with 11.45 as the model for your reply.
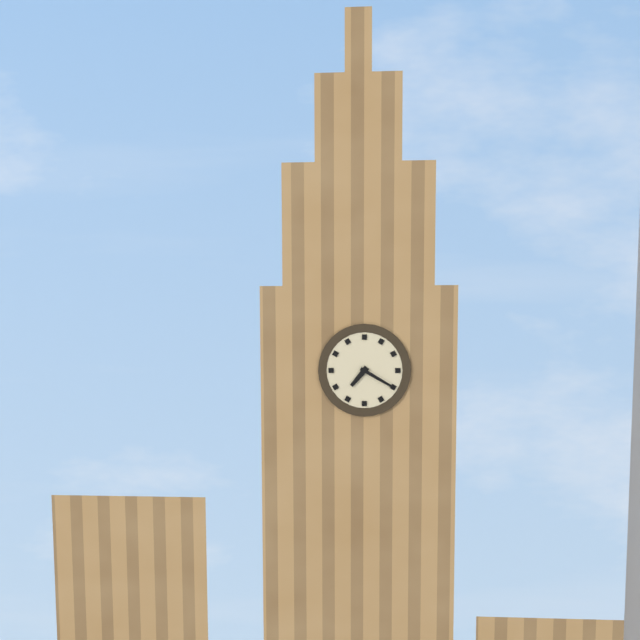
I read 7.20
